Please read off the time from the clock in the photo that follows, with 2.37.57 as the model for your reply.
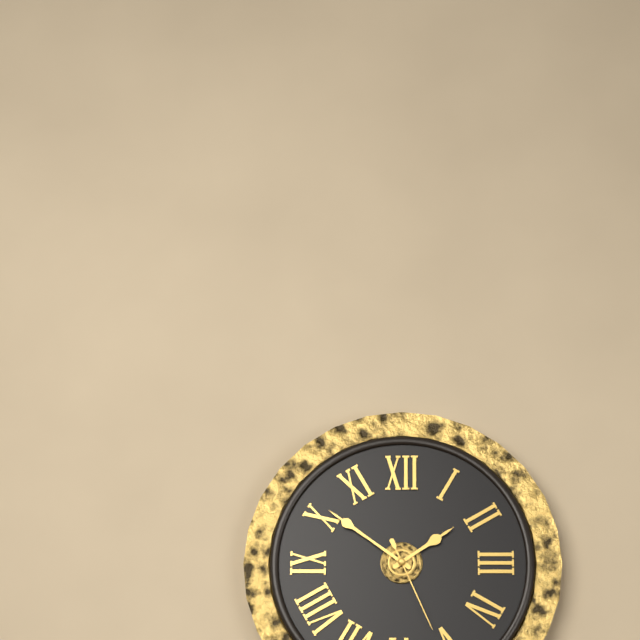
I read 1.51.26
